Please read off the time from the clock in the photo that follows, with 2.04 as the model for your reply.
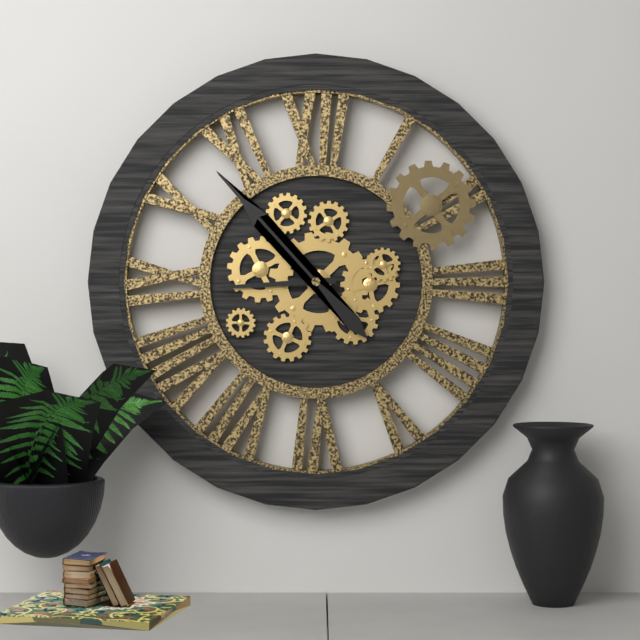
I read 8.53
